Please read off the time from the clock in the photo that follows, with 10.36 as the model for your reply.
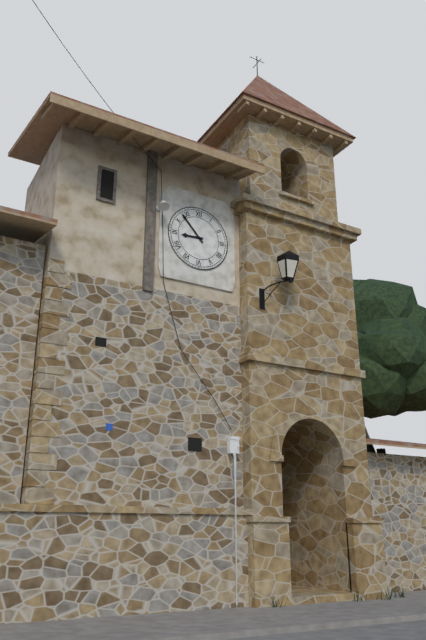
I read 8.53
